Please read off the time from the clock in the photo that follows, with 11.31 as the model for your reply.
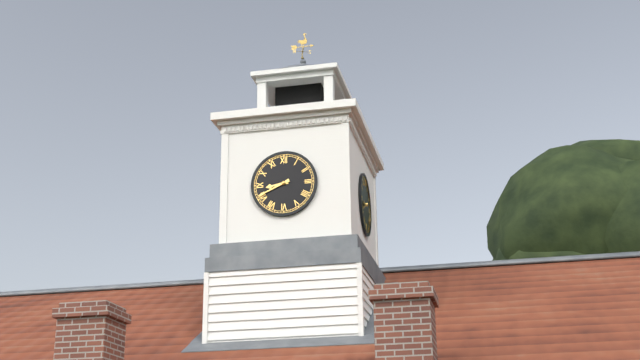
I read 8.41
